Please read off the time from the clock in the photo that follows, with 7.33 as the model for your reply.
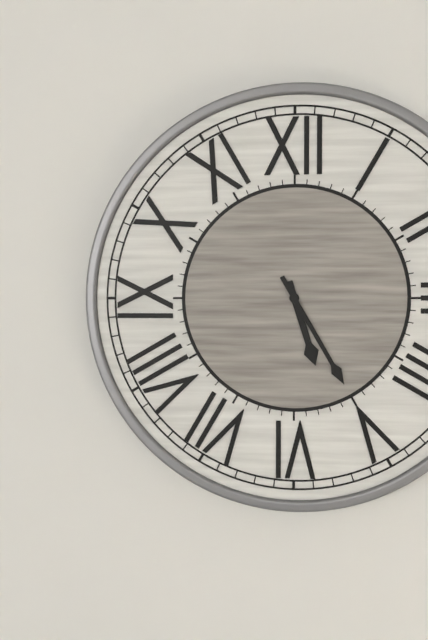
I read 5.25
